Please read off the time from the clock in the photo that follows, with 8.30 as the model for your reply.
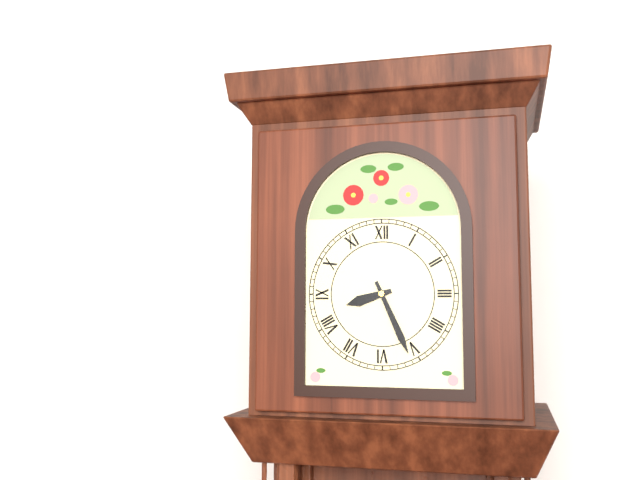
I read 8.26
